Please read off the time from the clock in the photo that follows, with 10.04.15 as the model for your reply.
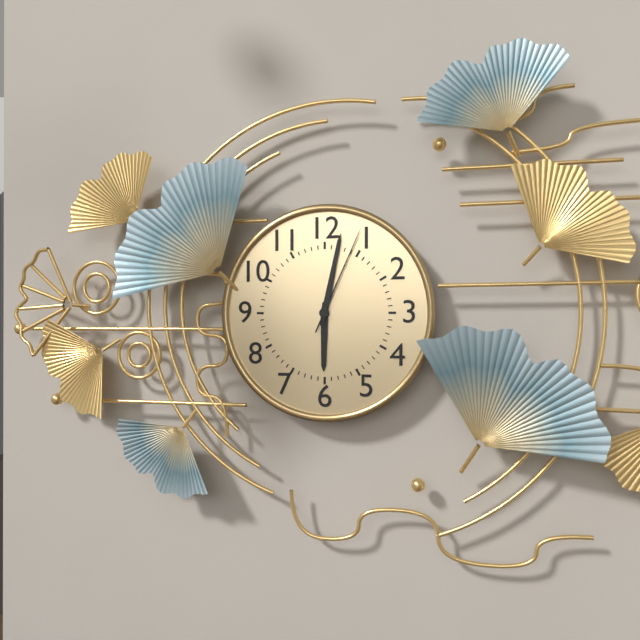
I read 6.02.04
